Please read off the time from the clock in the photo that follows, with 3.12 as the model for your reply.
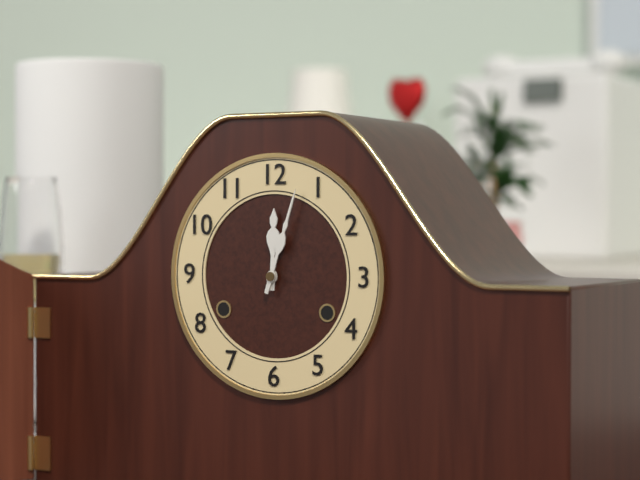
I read 12.03
